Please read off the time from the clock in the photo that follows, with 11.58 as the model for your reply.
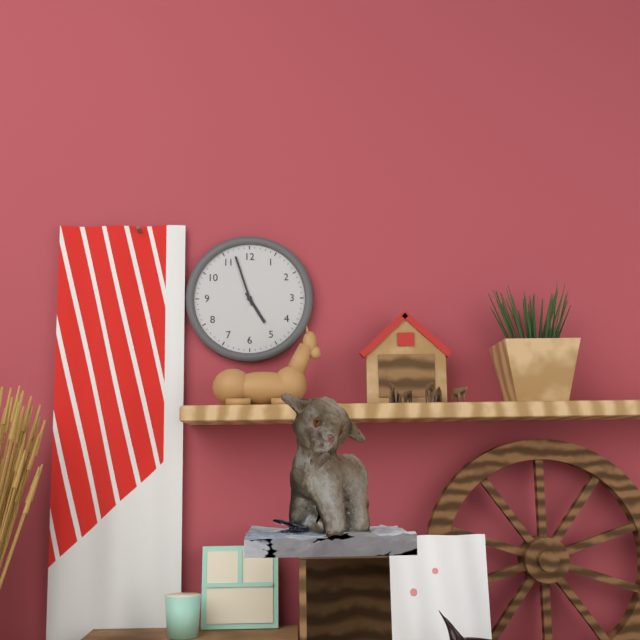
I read 4.57
